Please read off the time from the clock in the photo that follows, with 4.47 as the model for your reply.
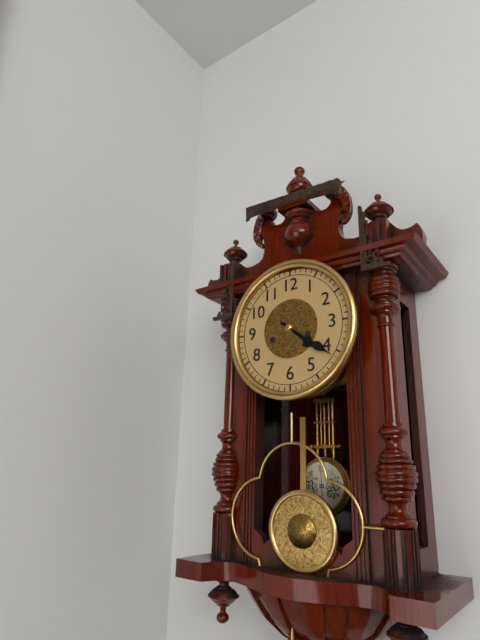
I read 4.21
